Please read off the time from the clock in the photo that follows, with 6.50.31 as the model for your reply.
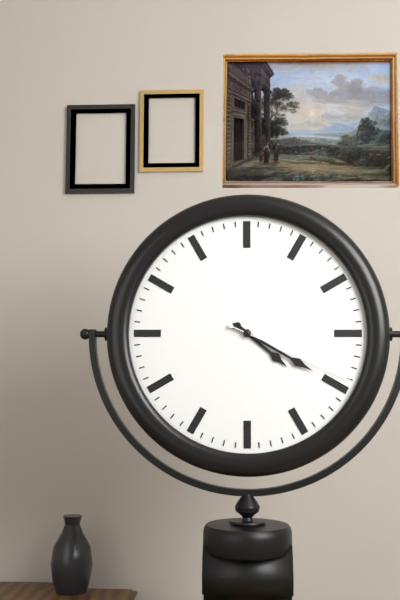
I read 4.20.19
